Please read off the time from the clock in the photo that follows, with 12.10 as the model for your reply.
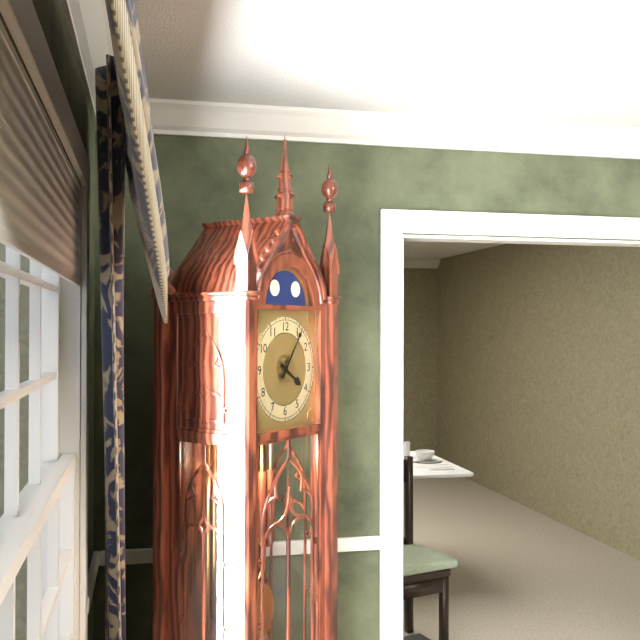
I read 4.06
